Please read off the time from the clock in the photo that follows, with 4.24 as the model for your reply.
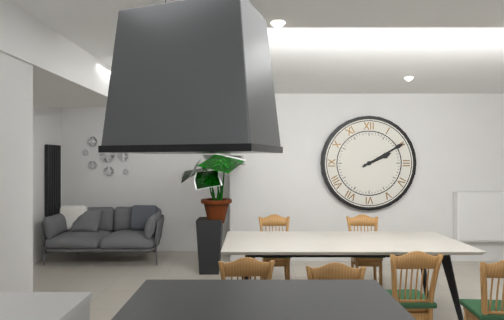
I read 2.10
